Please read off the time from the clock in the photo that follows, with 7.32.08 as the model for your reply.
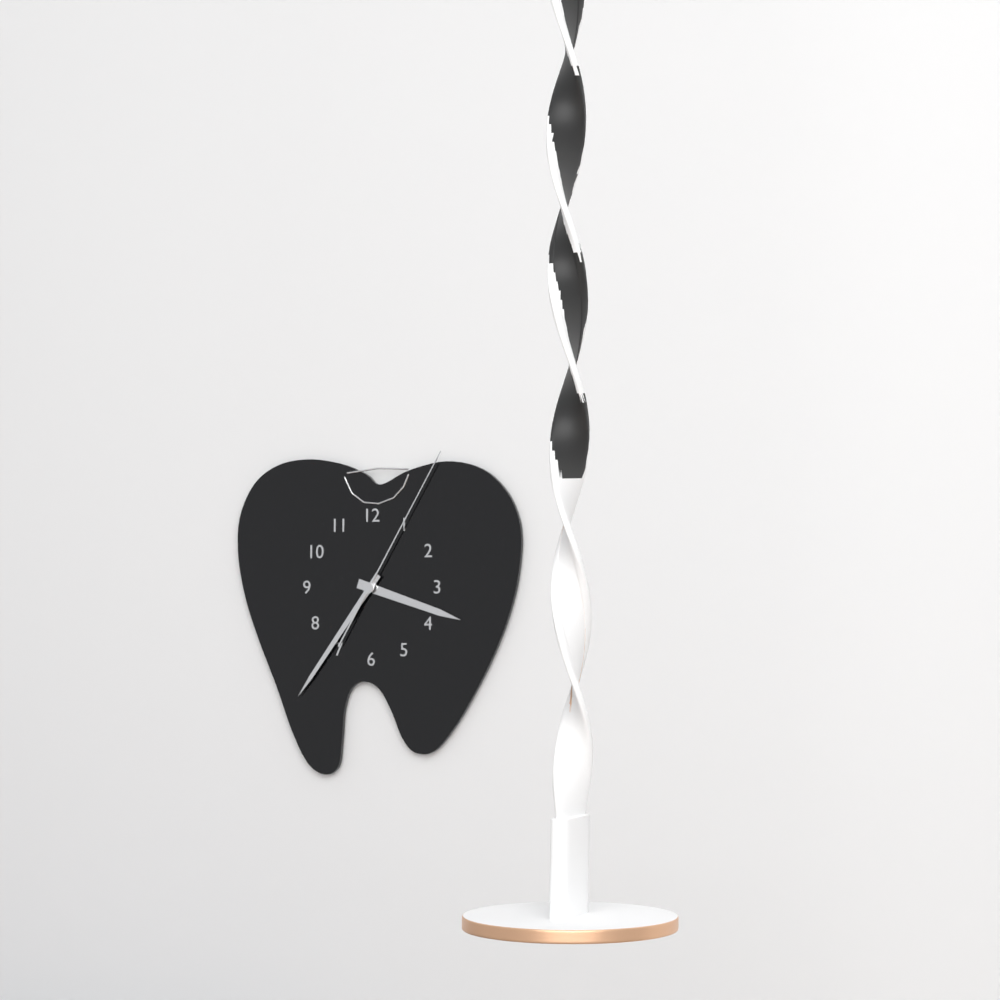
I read 3.36.05
